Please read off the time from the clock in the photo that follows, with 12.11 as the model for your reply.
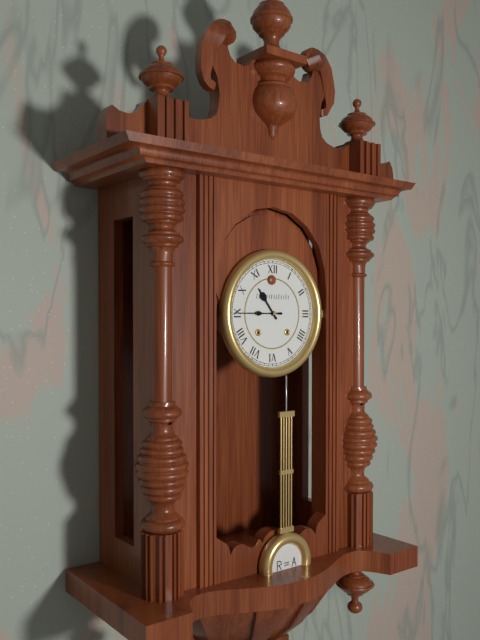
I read 10.45
